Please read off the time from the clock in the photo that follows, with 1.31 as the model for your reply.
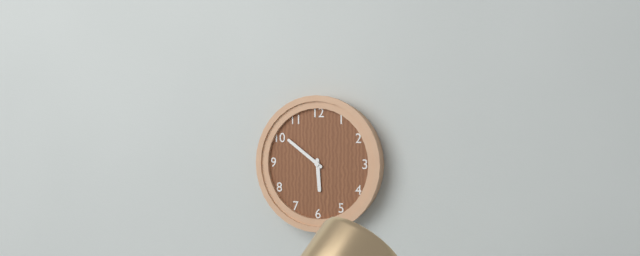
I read 5.51
